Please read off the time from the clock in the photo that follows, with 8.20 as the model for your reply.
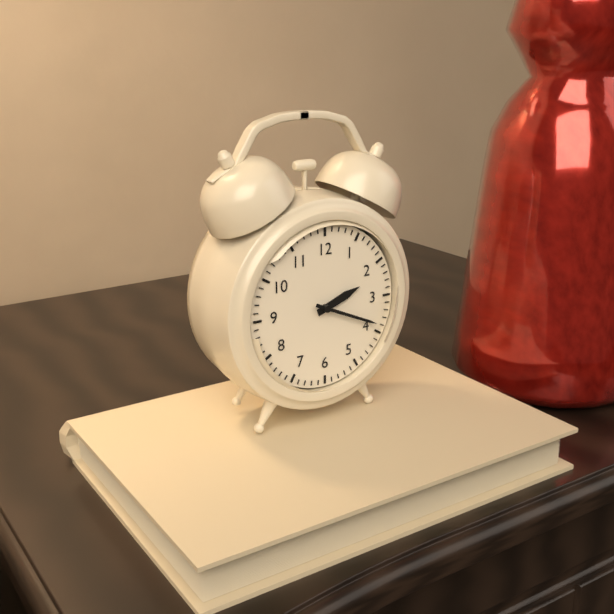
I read 2.19
